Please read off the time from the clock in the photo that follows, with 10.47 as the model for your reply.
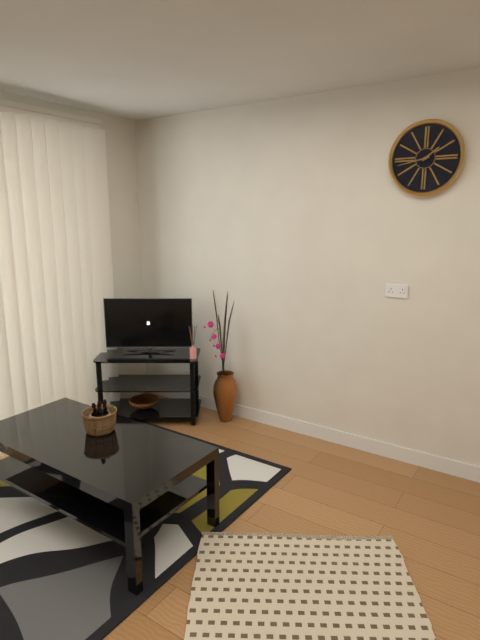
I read 1.43
